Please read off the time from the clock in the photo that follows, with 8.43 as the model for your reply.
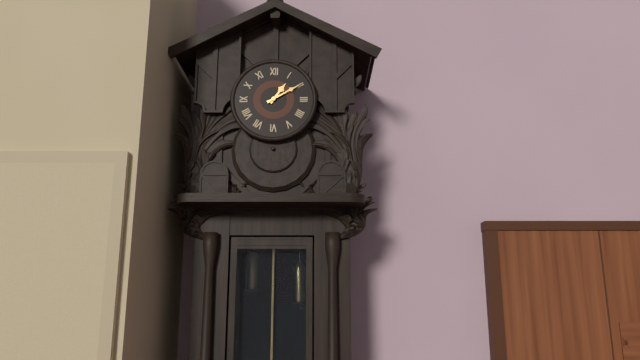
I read 1.10
